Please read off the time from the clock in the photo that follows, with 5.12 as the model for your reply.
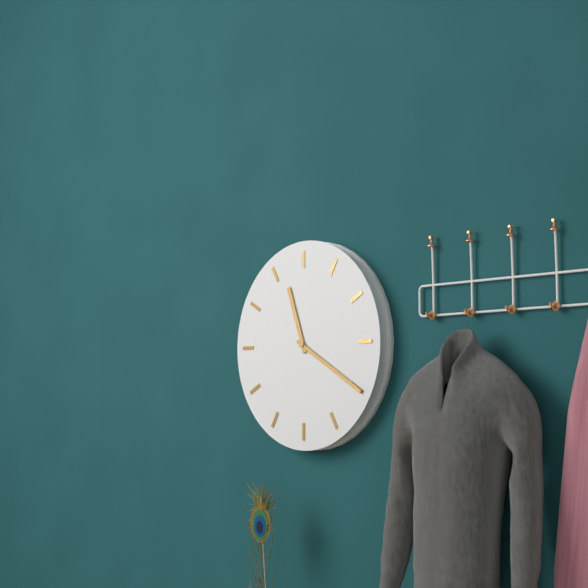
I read 11.20
